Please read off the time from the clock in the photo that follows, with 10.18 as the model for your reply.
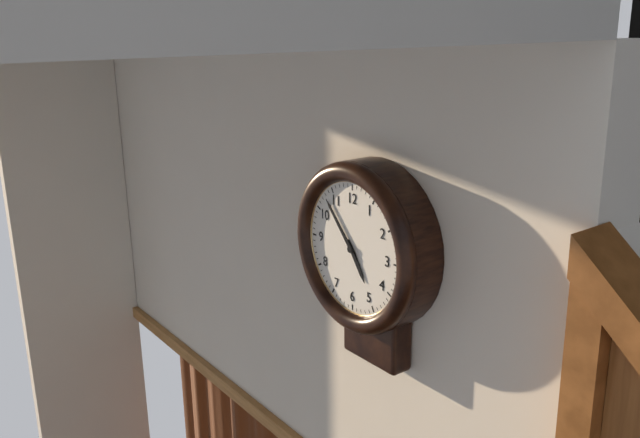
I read 4.53
